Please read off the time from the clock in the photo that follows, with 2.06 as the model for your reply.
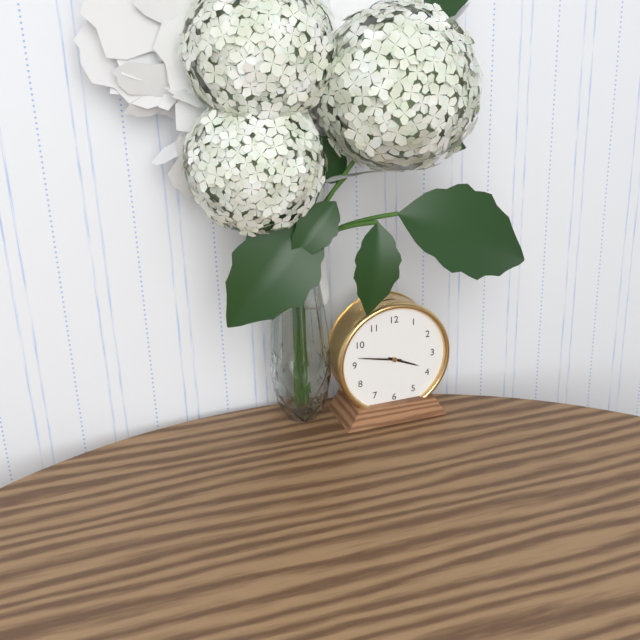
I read 3.47
